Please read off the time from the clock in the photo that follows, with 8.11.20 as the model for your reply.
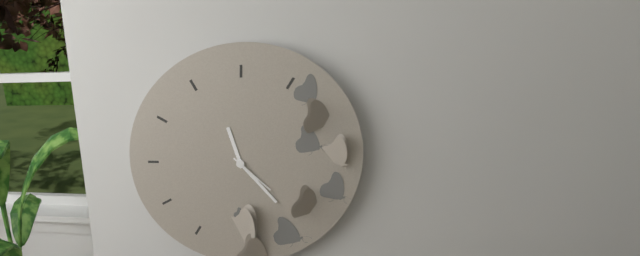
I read 11.23.22
